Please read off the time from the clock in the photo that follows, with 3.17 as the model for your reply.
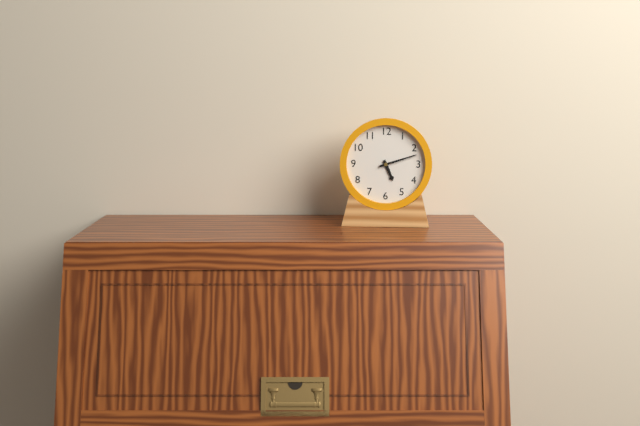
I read 5.12
